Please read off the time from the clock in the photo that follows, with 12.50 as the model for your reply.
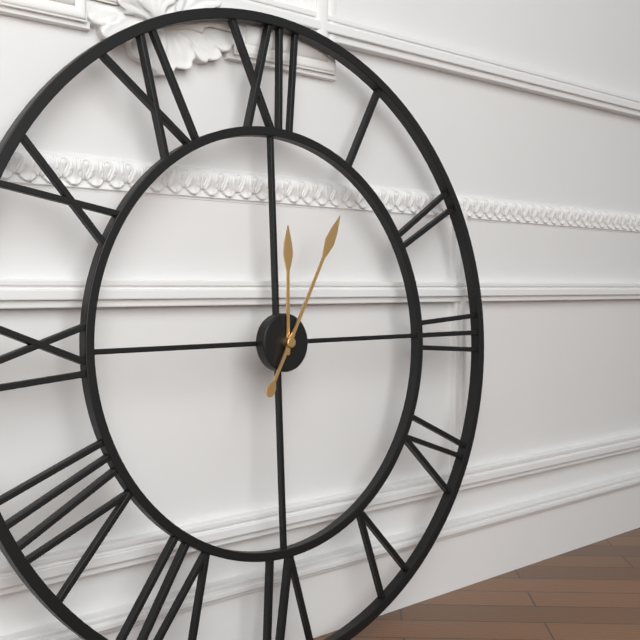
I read 12.05
